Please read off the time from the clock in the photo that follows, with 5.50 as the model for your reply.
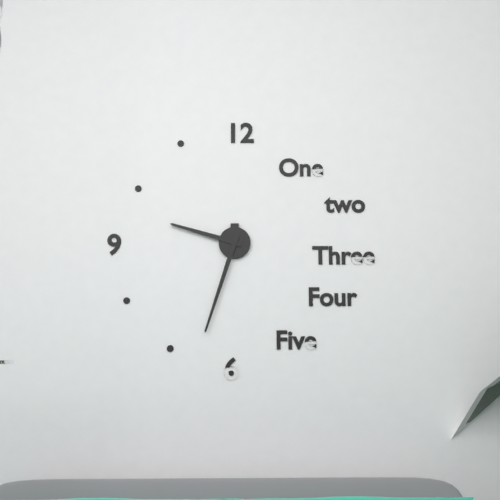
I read 9.33
